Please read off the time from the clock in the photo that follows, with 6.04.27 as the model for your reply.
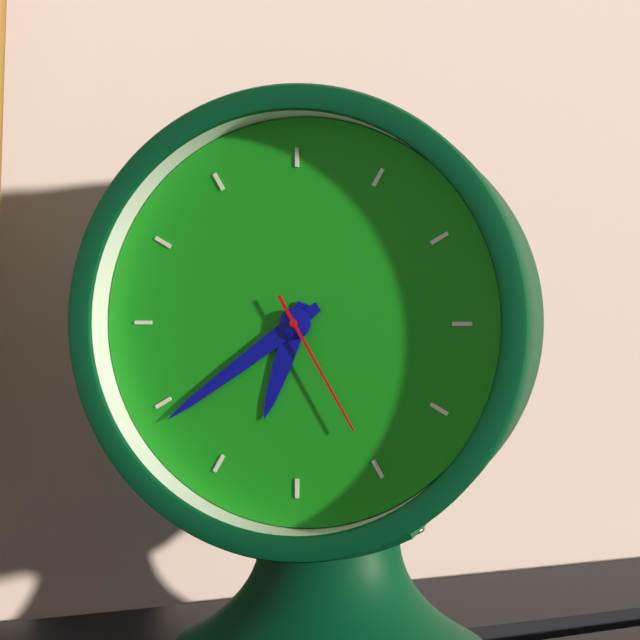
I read 6.39.25
